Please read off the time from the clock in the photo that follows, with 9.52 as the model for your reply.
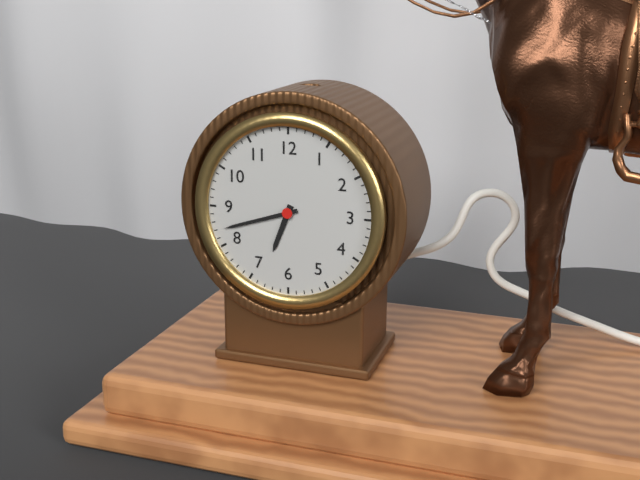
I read 6.42
